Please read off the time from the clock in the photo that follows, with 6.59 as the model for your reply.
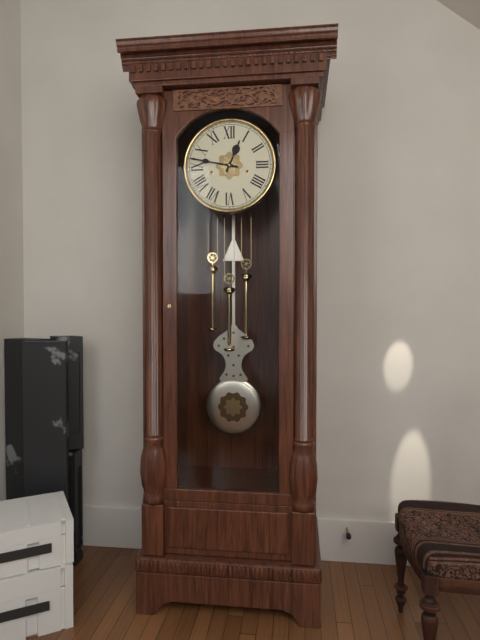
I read 12.47
